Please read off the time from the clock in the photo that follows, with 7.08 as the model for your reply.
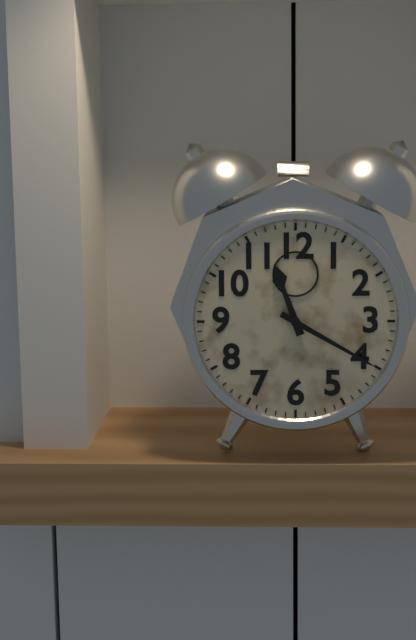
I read 11.20
